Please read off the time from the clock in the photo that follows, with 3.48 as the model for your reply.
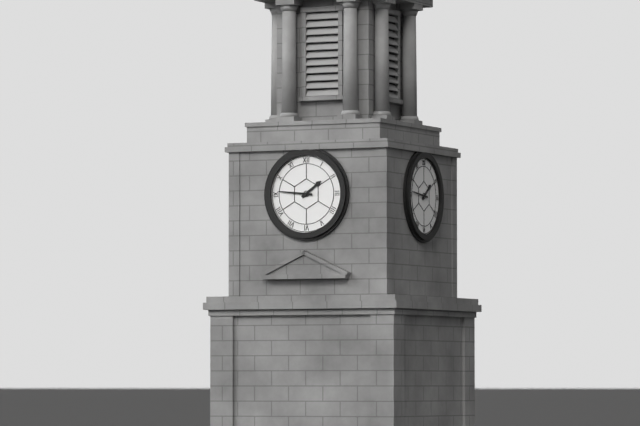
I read 1.46
